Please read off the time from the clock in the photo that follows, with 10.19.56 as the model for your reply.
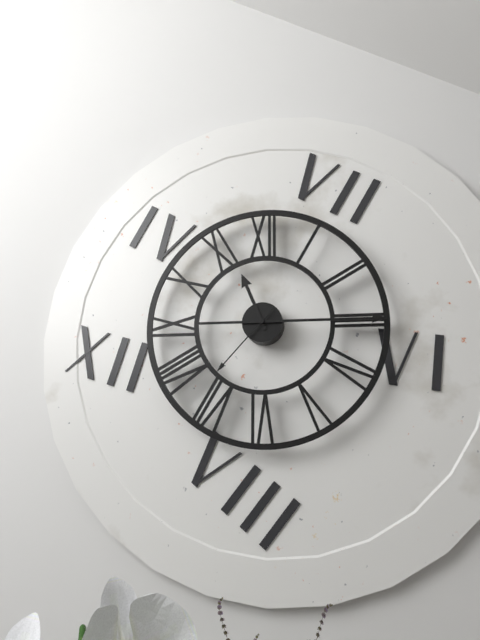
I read 11.15.37
